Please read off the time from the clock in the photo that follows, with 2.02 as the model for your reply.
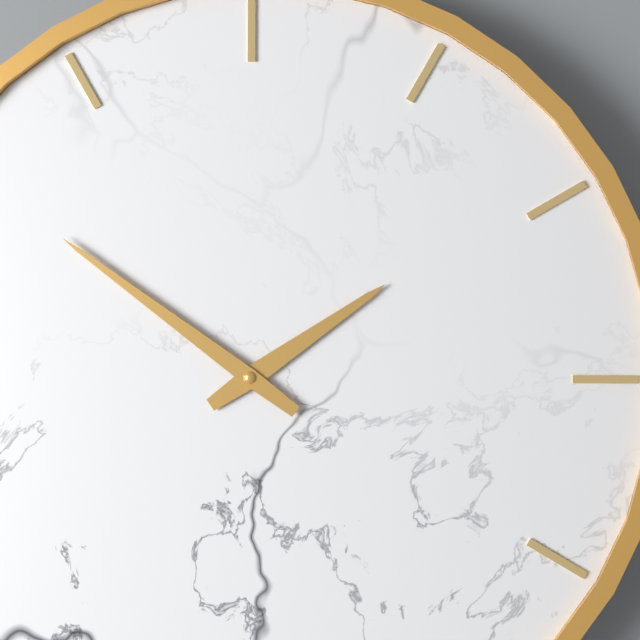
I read 1.51
